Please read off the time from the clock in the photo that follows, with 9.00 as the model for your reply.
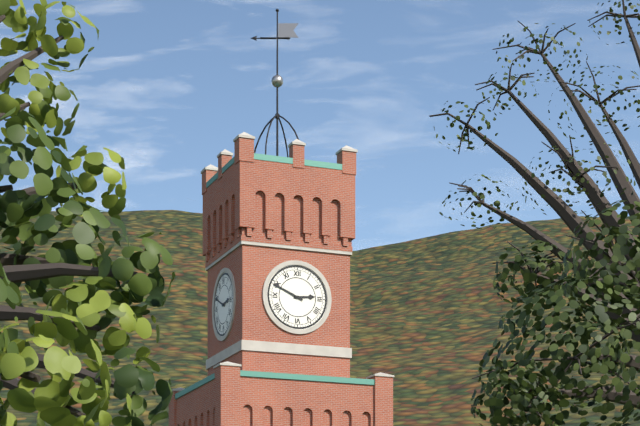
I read 2.49
